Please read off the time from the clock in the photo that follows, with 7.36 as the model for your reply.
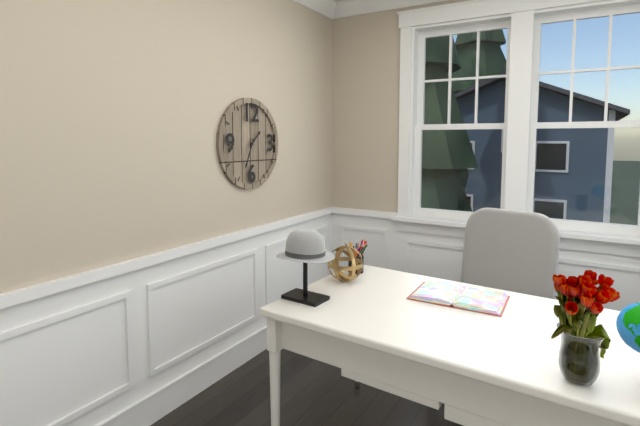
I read 1.34
